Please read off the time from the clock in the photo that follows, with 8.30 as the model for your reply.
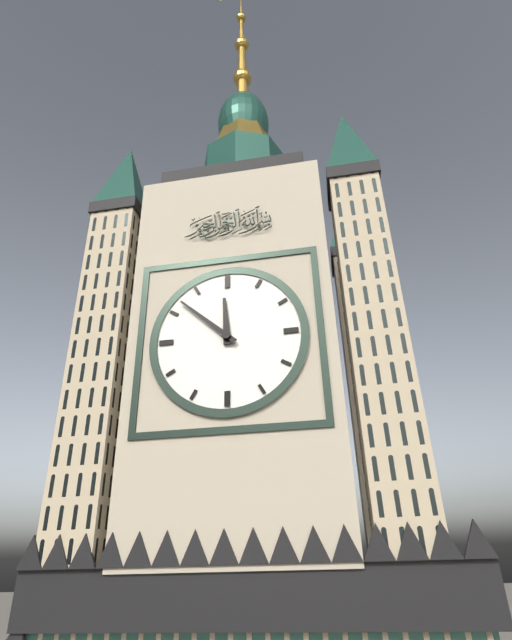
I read 11.52
